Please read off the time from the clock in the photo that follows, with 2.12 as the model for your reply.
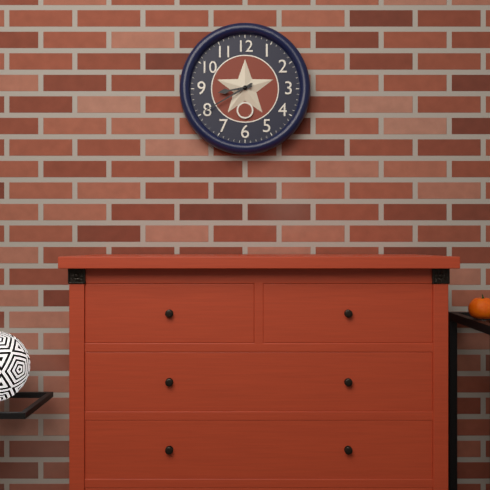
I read 8.40
